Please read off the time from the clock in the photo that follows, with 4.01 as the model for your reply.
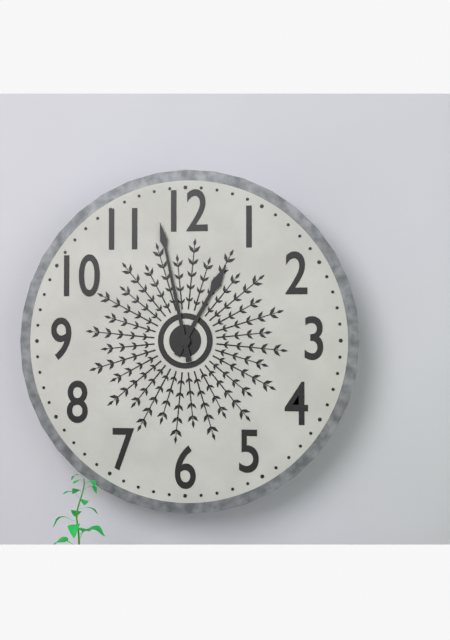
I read 12.58
